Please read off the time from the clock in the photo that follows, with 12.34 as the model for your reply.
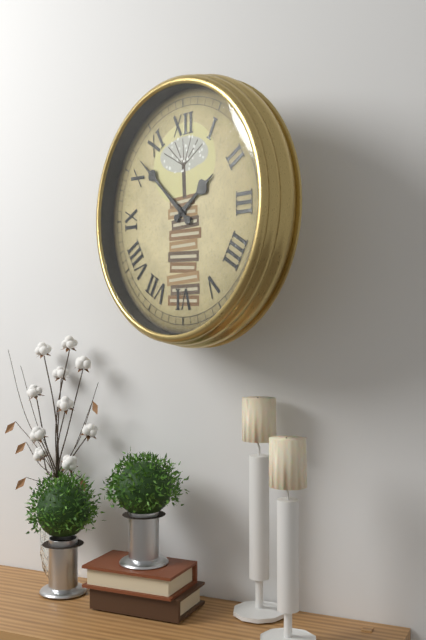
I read 1.52
